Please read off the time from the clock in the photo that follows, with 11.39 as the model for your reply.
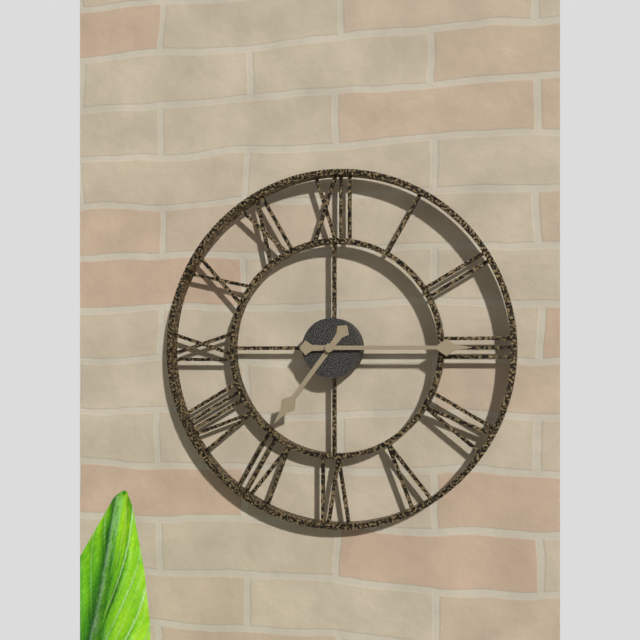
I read 7.15
